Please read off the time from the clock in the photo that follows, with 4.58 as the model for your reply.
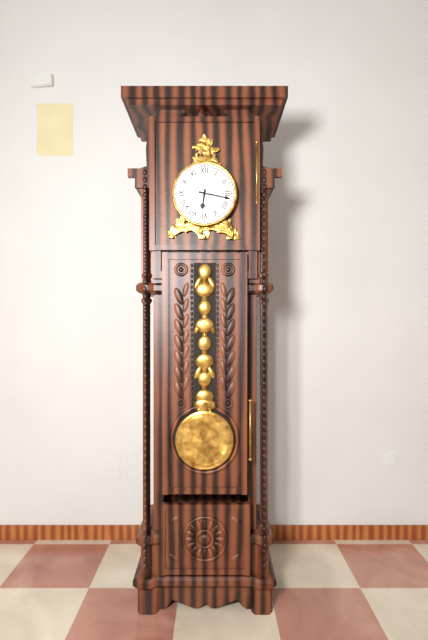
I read 6.17
